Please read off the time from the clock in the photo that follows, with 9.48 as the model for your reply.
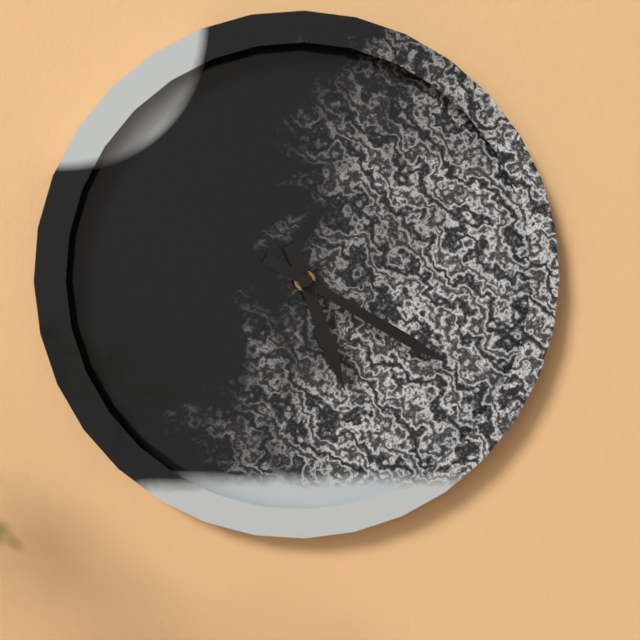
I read 5.20
